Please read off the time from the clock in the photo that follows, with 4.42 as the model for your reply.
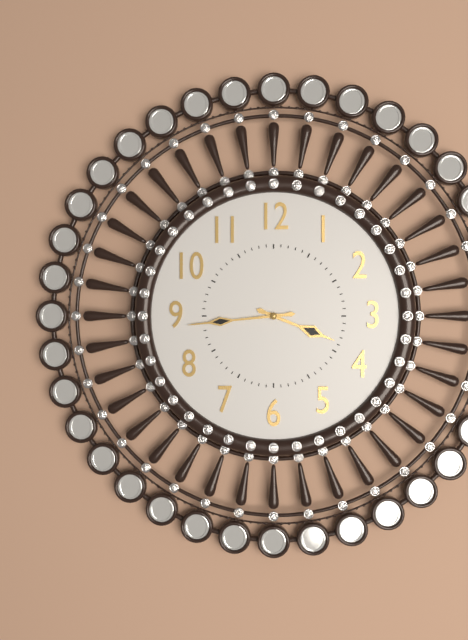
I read 3.44
